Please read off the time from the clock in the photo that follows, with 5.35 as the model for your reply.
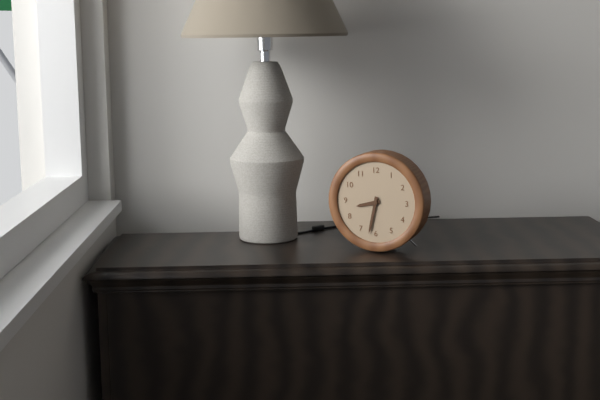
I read 8.32
